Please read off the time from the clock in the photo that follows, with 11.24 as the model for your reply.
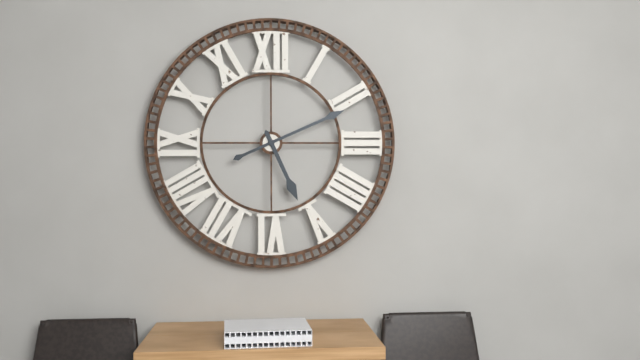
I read 5.11
